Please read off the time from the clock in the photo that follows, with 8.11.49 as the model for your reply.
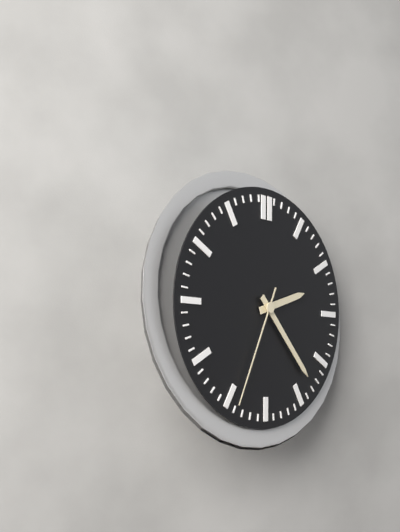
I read 2.23.34
